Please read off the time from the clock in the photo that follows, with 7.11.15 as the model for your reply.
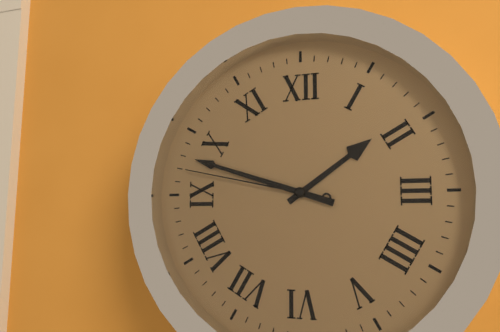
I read 1.48.47
